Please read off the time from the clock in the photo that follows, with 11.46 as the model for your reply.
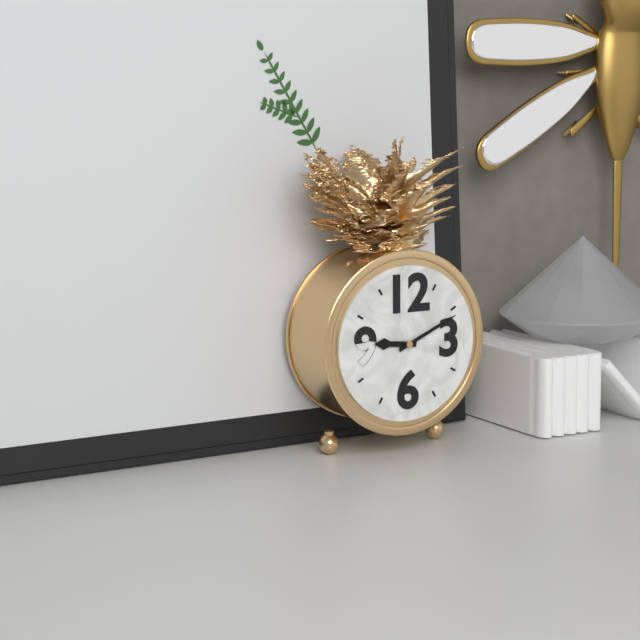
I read 9.11
